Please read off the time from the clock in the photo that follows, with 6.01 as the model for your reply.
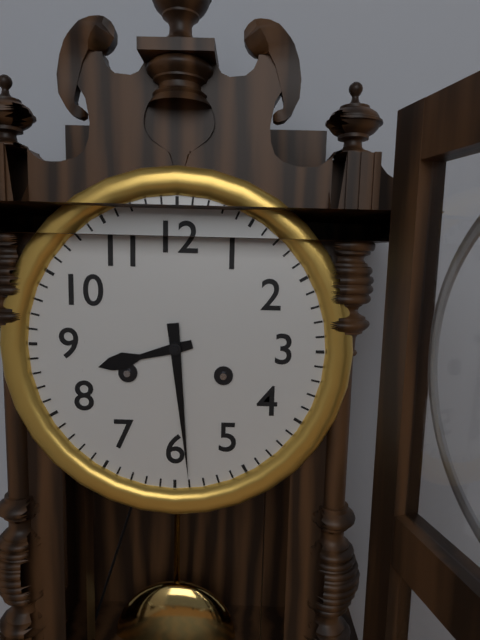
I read 8.29
